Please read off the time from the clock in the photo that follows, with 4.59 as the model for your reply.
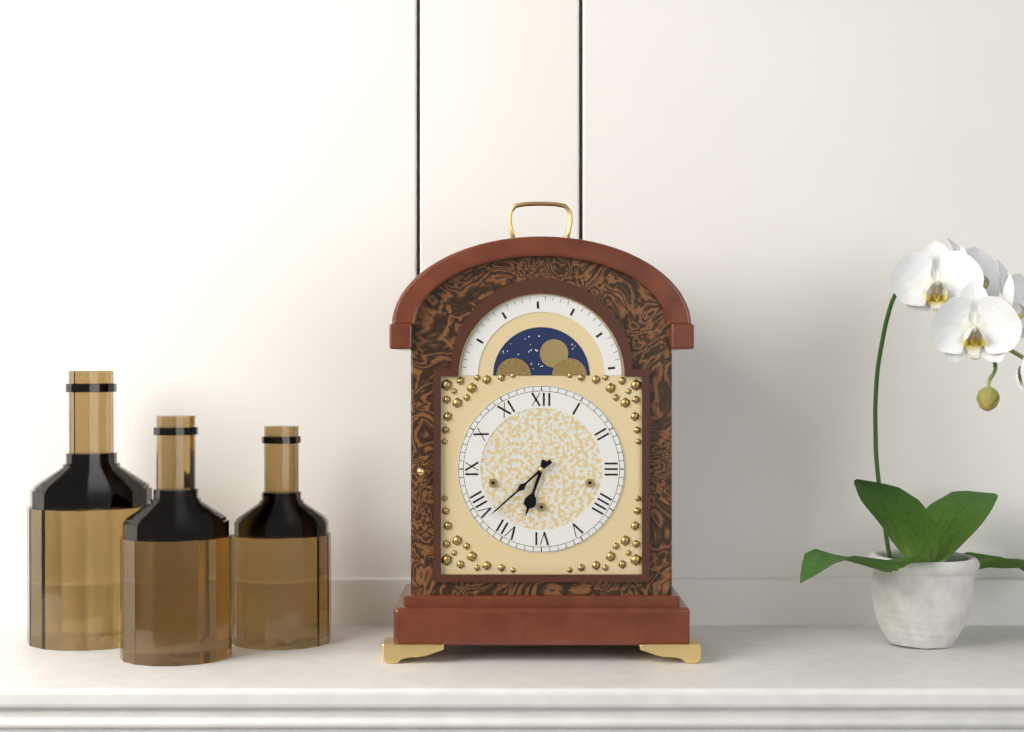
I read 6.38
